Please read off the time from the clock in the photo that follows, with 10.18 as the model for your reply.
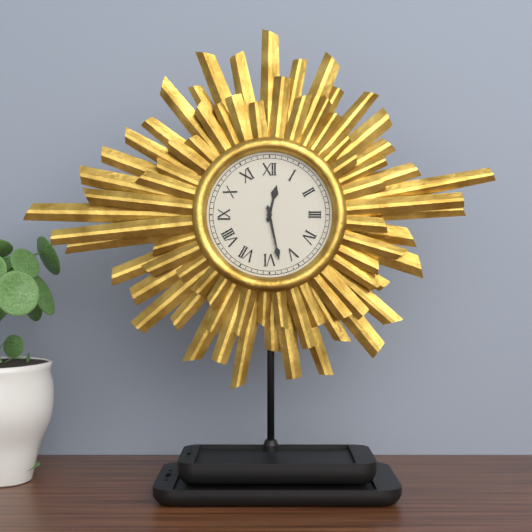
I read 12.28
